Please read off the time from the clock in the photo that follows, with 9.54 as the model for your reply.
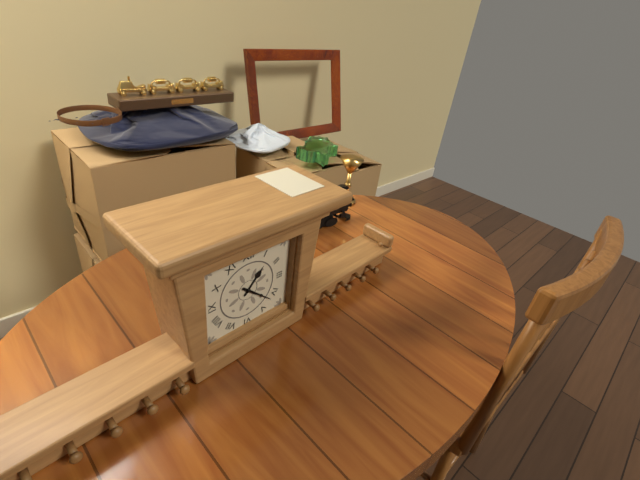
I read 1.22
